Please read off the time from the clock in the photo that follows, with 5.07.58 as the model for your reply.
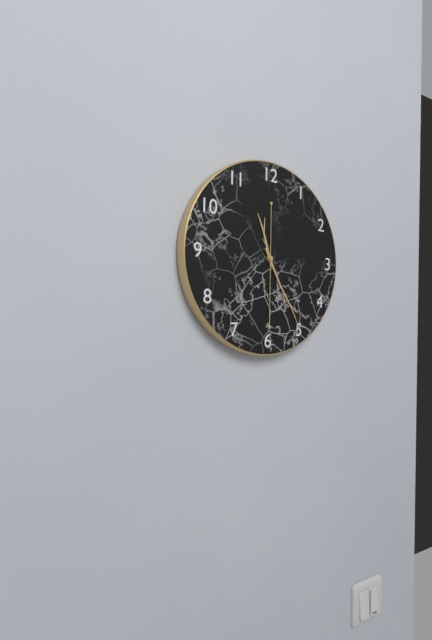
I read 11.25.30
